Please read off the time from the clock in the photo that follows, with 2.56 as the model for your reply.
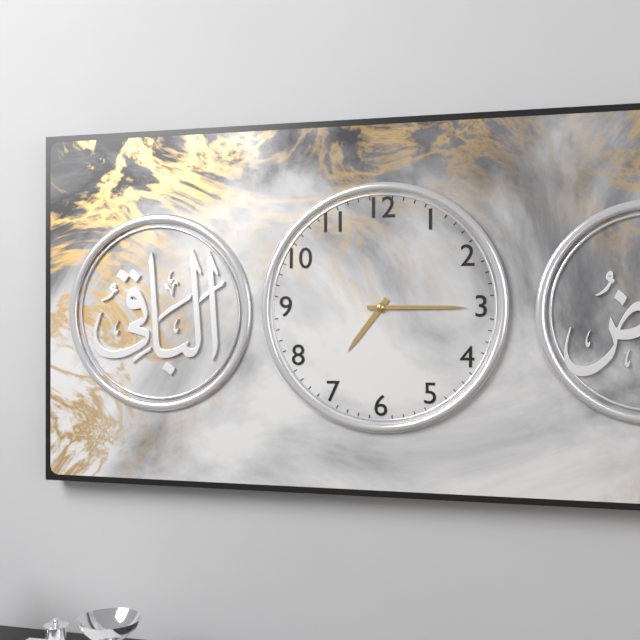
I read 7.15
